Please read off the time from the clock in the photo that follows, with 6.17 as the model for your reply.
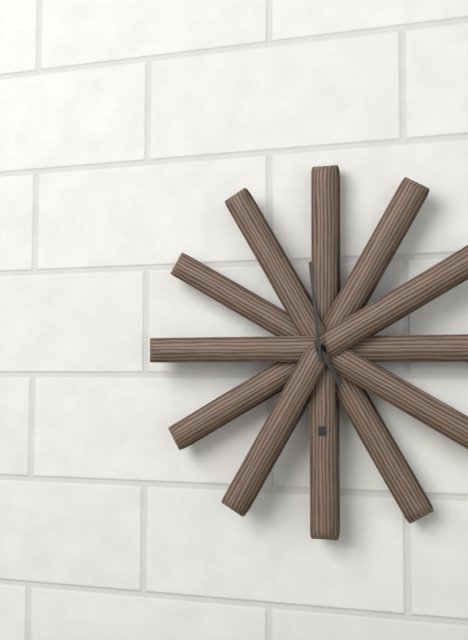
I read 4.59
